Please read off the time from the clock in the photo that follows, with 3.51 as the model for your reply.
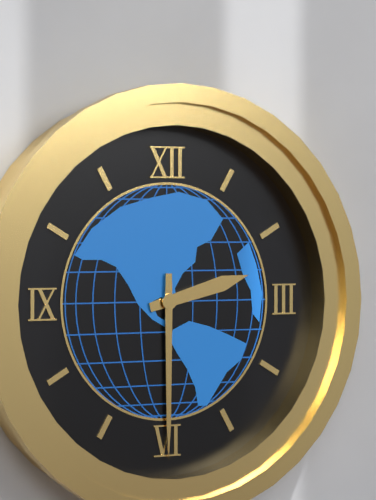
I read 2.30
